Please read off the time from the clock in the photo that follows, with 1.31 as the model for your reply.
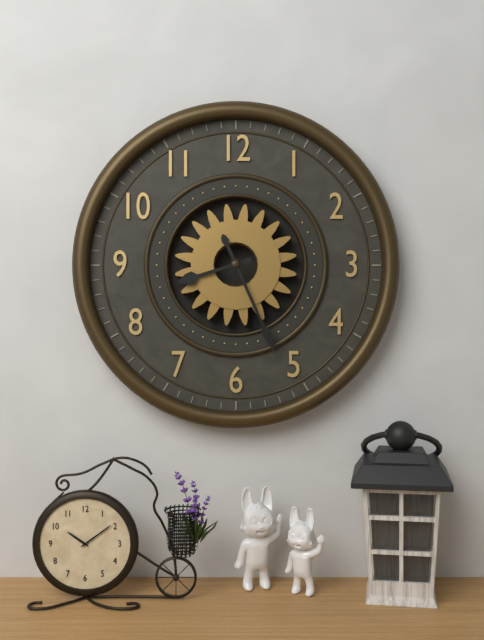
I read 8.26
